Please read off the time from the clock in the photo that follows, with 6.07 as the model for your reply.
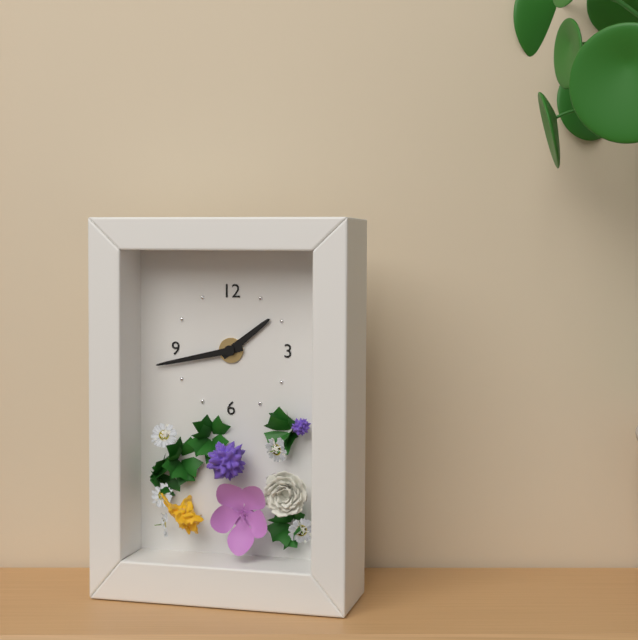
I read 1.43
